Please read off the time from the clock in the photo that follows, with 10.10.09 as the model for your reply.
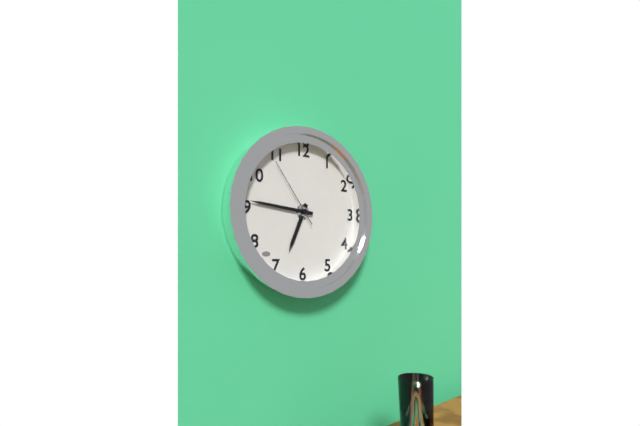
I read 6.46.54
